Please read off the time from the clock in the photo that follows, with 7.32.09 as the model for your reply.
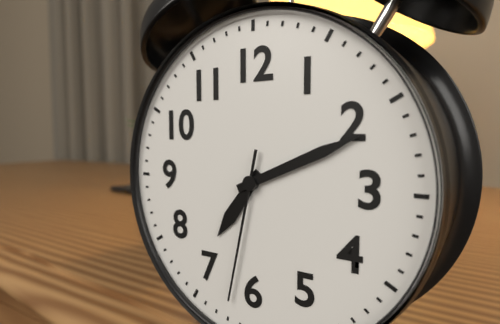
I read 7.11.32
